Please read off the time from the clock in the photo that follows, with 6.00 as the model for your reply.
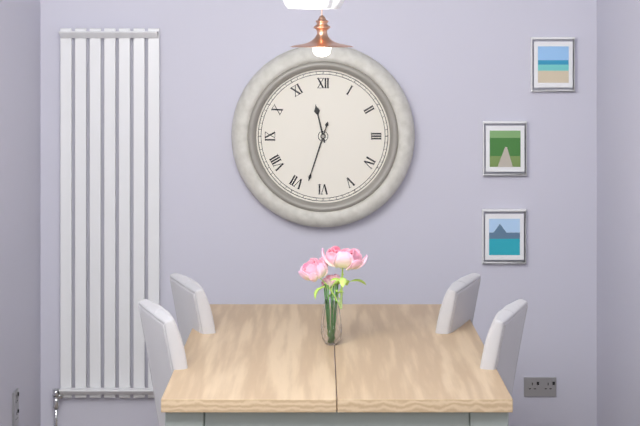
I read 11.33
